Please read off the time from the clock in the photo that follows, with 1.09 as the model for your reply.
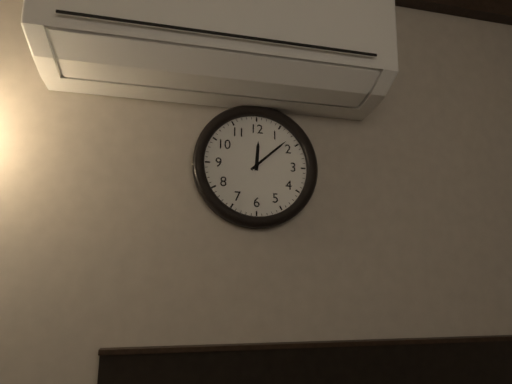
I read 12.08
